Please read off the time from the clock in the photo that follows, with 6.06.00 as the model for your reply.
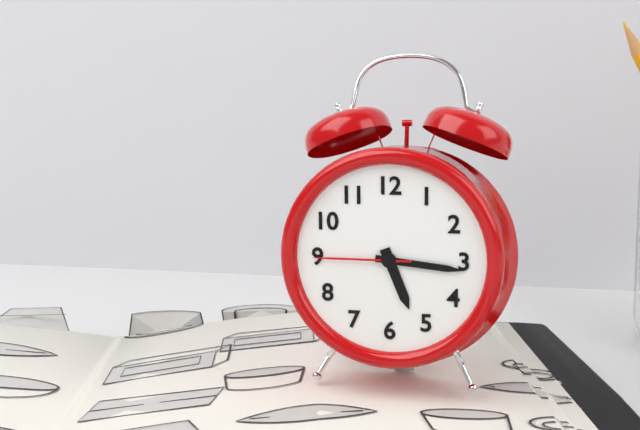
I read 5.16.45
